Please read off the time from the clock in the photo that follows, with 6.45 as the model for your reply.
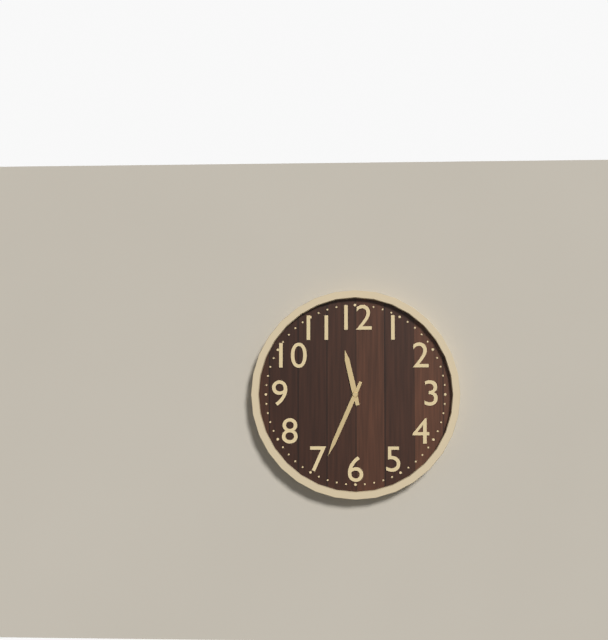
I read 11.34
